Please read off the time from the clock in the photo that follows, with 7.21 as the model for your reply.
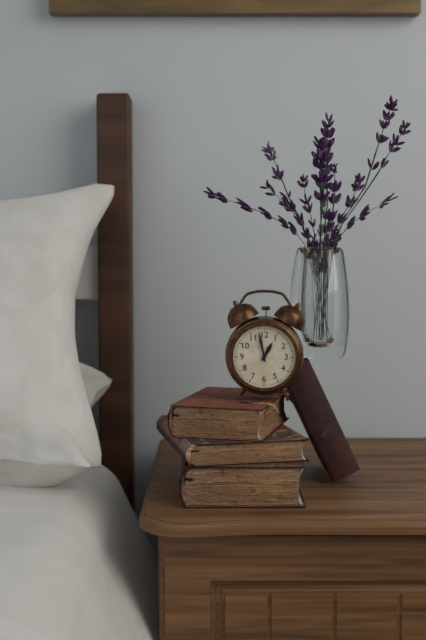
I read 12.58
